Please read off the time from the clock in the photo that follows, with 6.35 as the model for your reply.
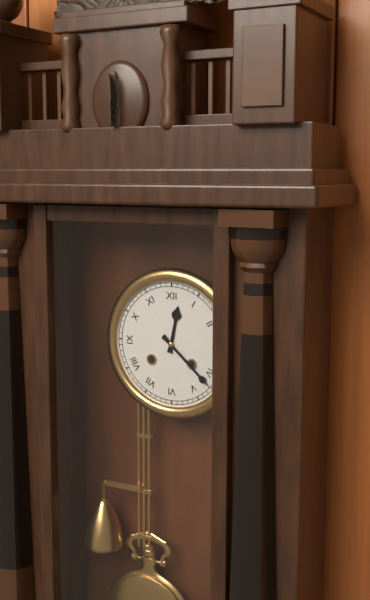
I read 12.22
